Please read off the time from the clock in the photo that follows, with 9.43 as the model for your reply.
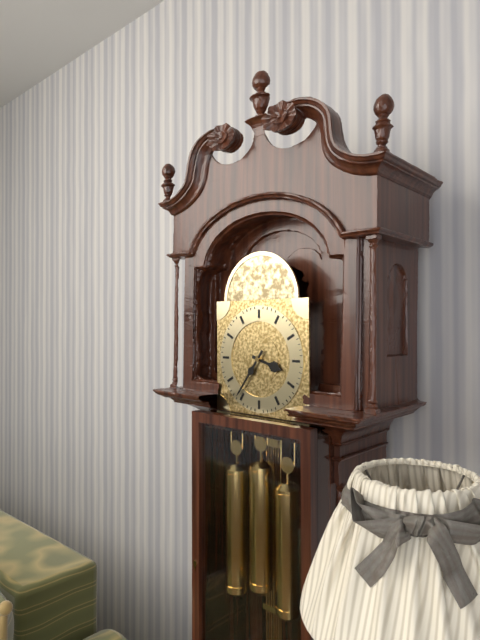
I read 3.36
